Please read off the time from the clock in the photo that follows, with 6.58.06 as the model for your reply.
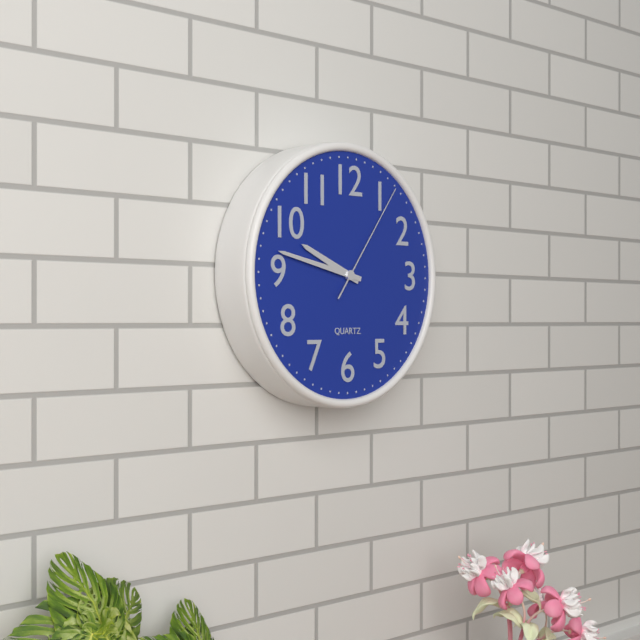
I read 9.47.06
